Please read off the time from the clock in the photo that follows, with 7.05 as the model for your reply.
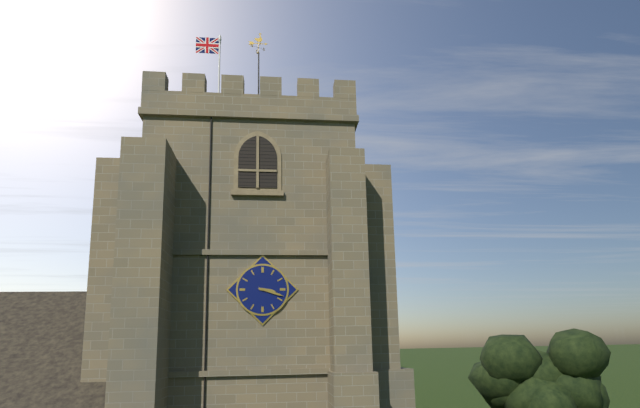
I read 3.18
